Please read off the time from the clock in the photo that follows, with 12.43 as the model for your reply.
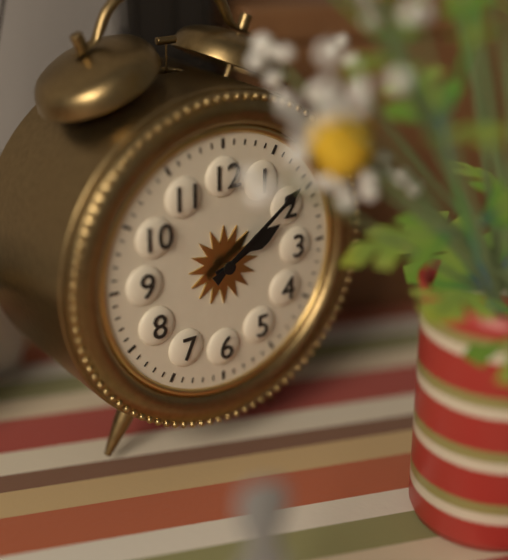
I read 2.09
